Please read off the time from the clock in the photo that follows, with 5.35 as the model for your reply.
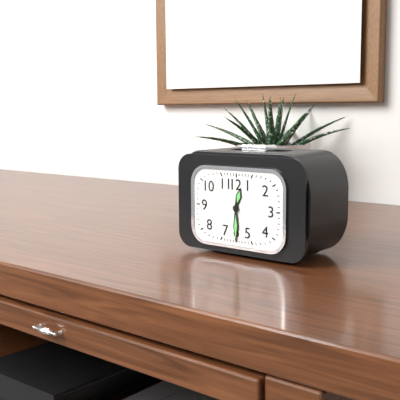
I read 12.30
